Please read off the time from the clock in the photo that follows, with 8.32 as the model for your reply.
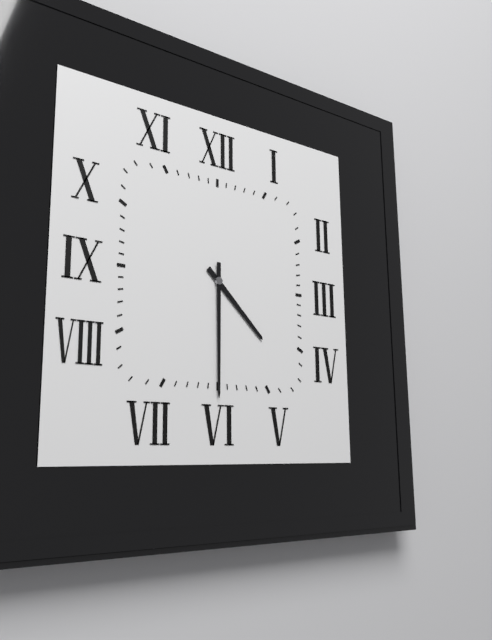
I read 4.30
